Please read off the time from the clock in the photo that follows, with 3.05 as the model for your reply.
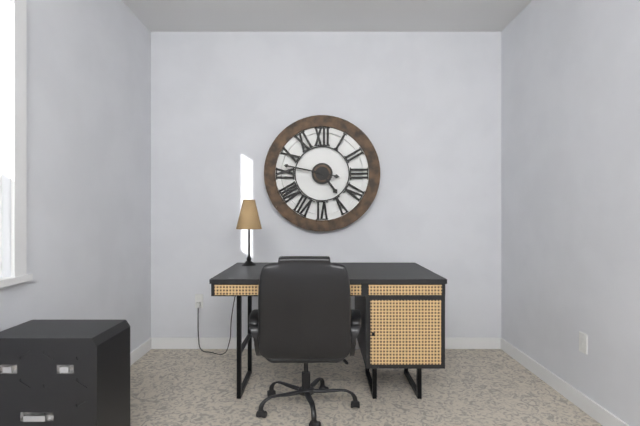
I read 4.47
